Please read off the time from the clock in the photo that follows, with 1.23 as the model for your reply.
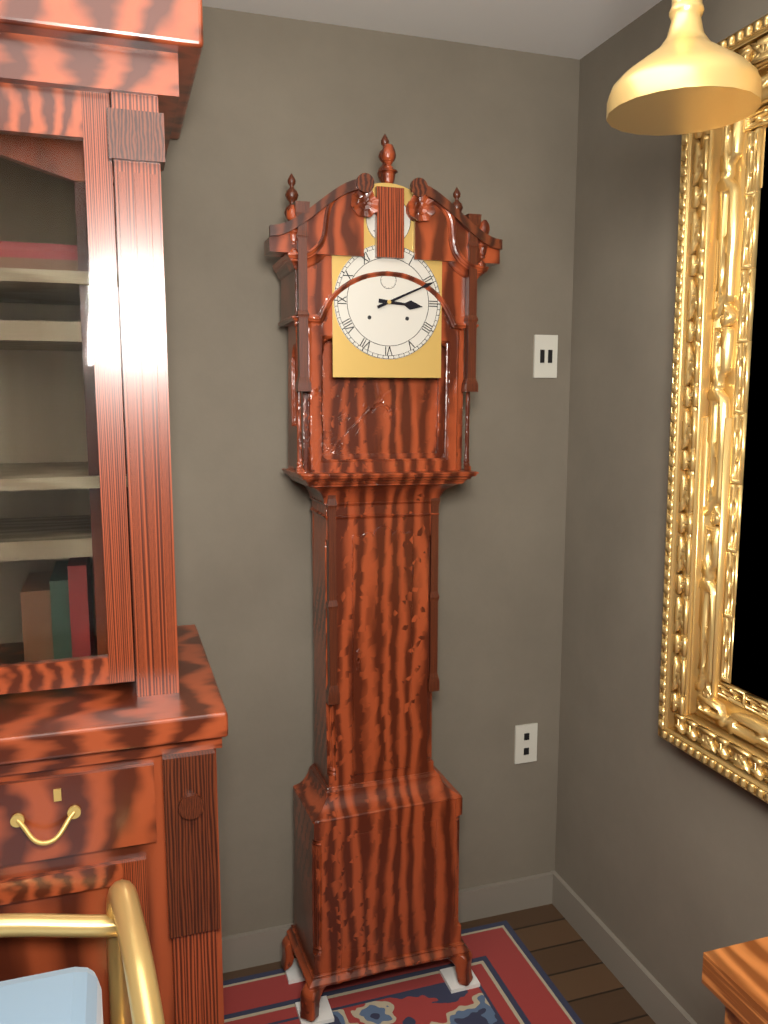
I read 3.11
